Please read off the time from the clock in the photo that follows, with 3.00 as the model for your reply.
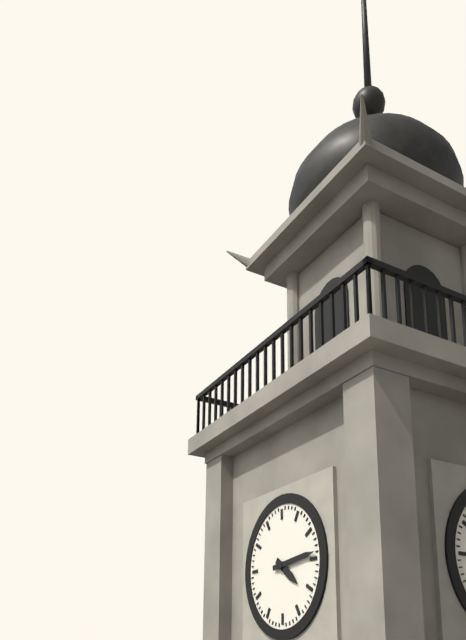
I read 4.14
